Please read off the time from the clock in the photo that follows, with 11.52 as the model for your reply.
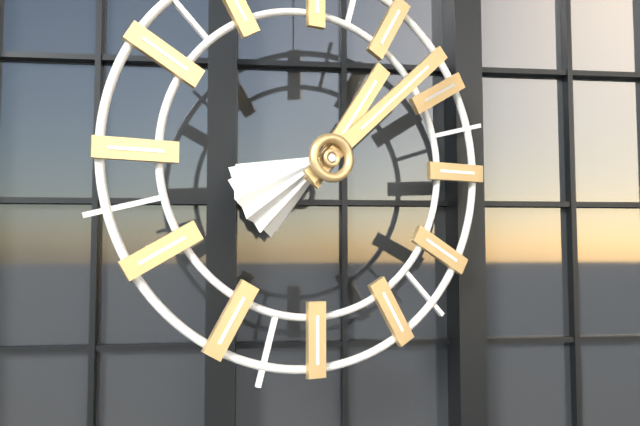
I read 1.08
